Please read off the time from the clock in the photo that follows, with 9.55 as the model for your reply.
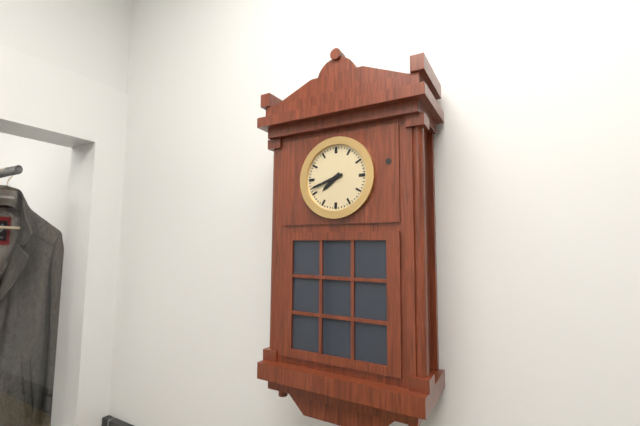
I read 7.42
